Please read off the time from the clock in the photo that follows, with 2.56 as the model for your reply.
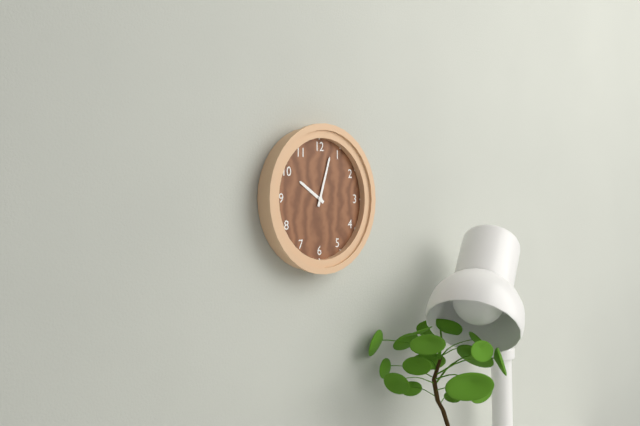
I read 10.03
